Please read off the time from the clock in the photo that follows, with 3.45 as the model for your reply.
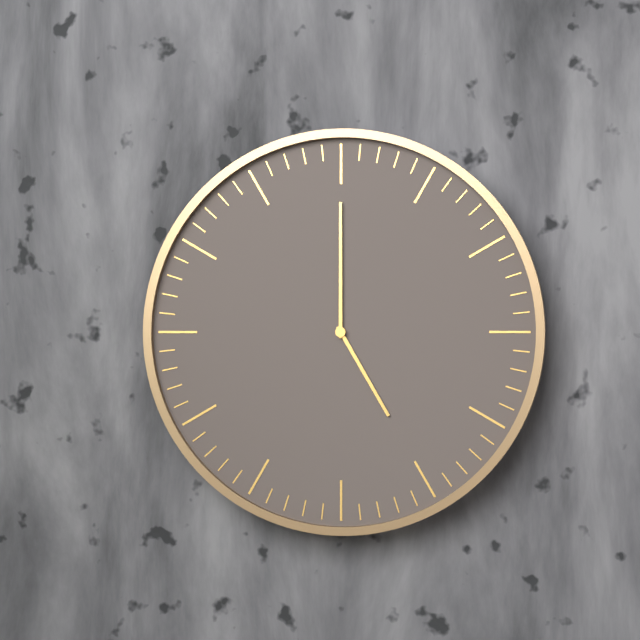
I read 5.00
